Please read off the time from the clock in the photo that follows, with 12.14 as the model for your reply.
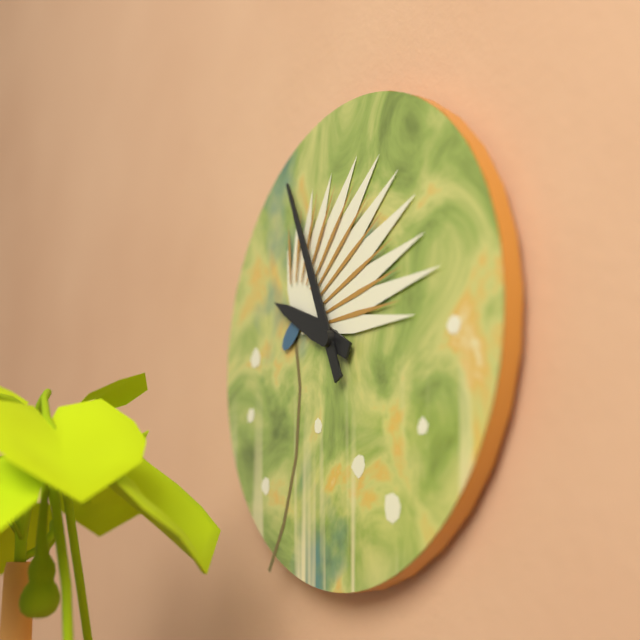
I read 9.56
